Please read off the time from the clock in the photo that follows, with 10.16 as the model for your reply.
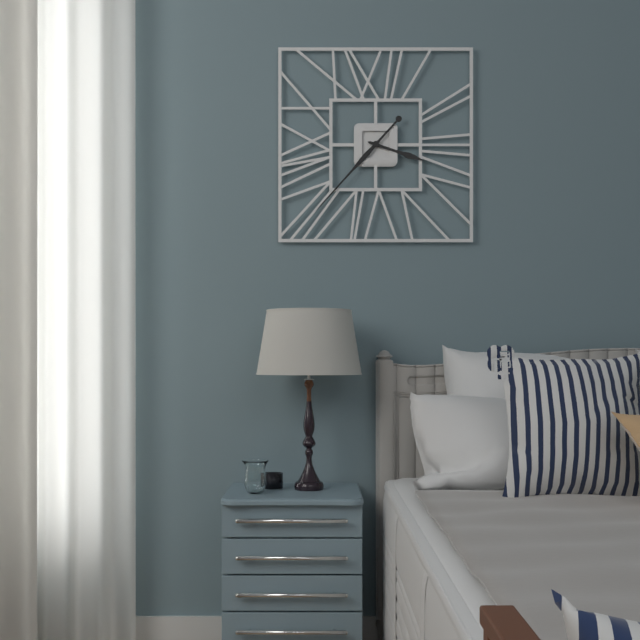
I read 3.37
